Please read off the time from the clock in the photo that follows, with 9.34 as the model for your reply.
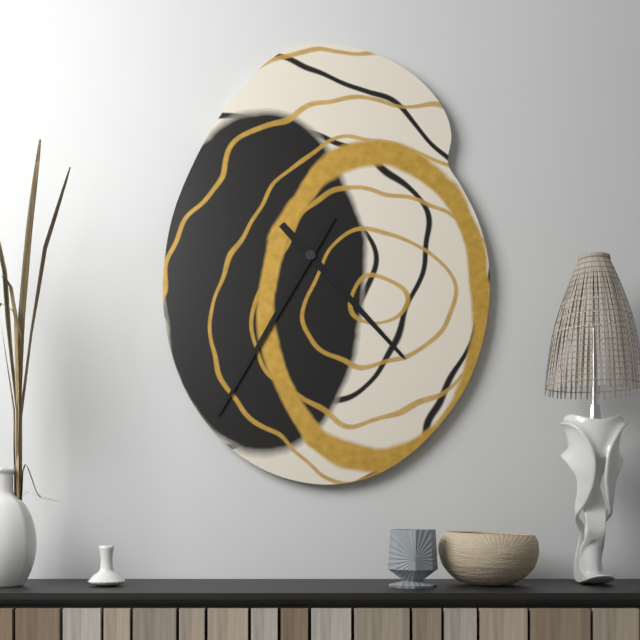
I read 4.35
